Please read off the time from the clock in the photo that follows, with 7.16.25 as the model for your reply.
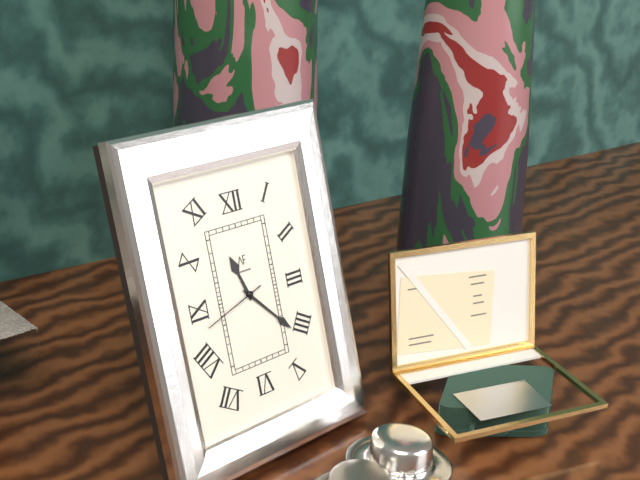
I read 11.23.42
